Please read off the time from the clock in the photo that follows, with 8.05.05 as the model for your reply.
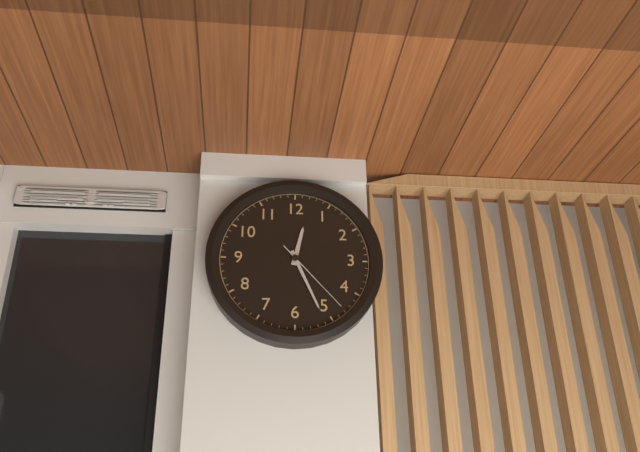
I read 12.26.23
